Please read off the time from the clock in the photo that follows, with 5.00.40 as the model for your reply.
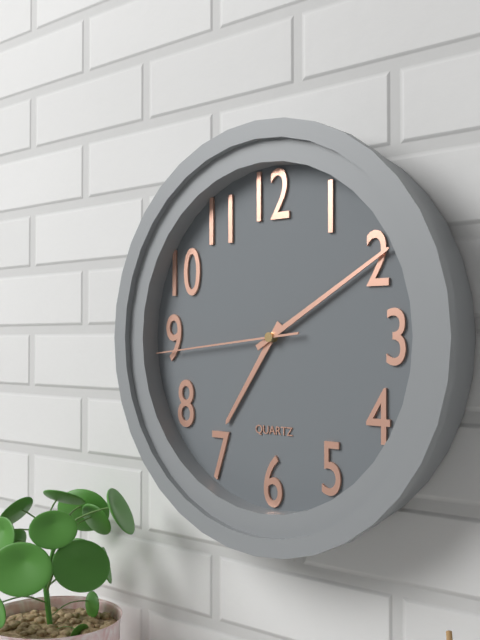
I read 7.10.44
